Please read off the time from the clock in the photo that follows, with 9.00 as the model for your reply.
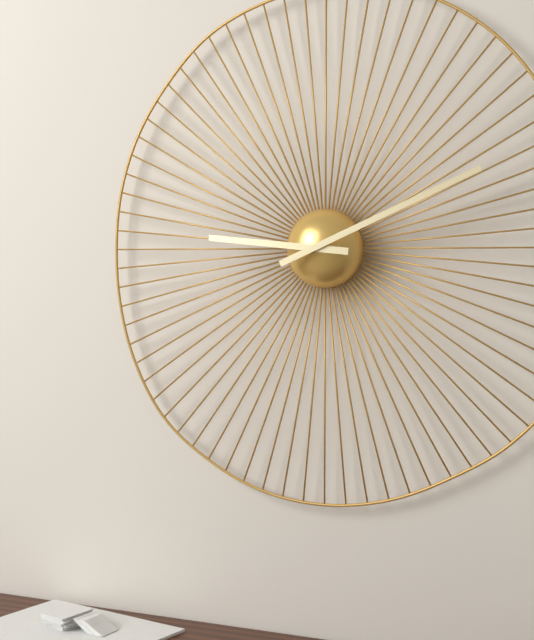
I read 9.11
